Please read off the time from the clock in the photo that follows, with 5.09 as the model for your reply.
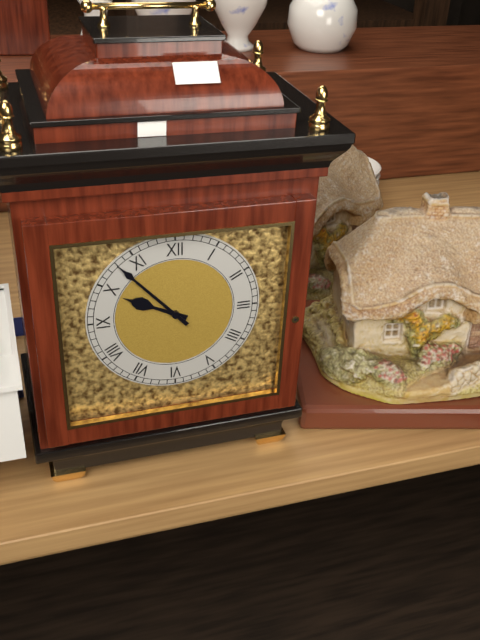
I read 9.53
